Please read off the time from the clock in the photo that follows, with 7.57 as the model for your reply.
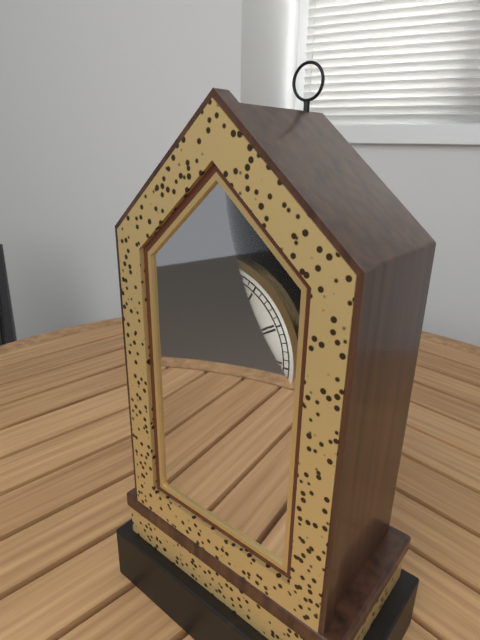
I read 3.16
